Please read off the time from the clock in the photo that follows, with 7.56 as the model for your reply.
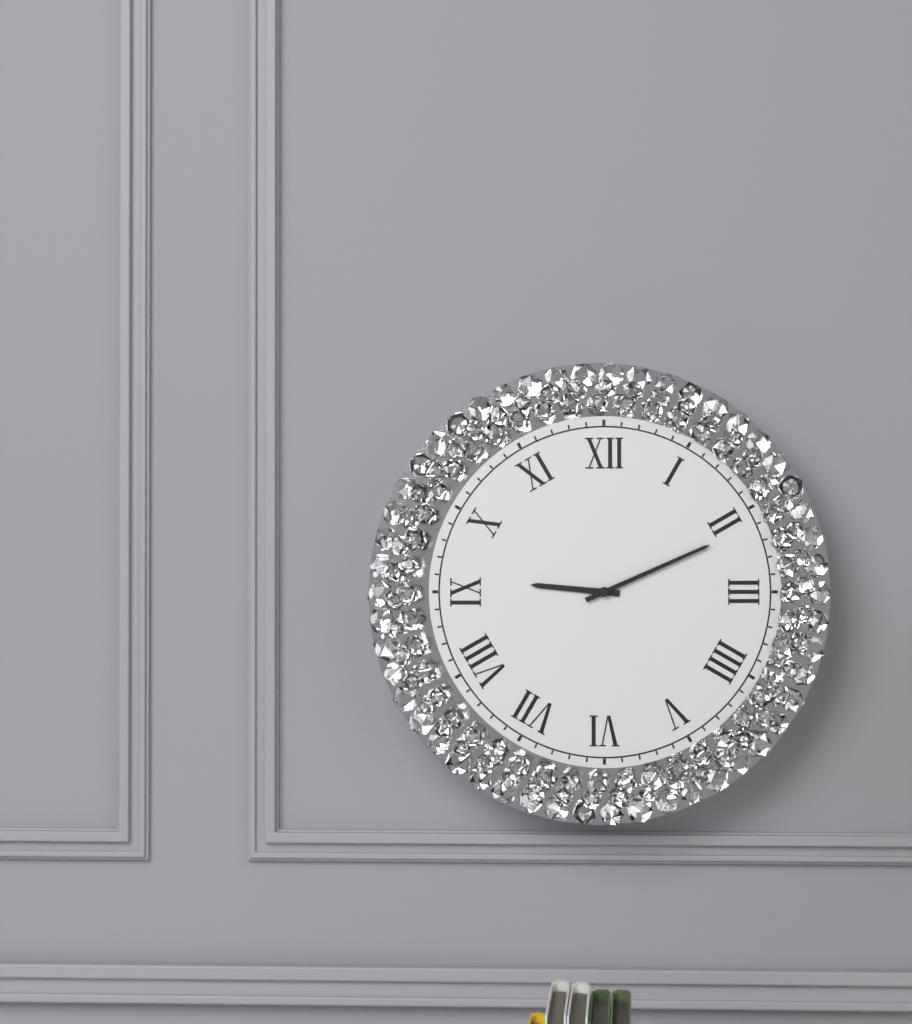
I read 9.11
